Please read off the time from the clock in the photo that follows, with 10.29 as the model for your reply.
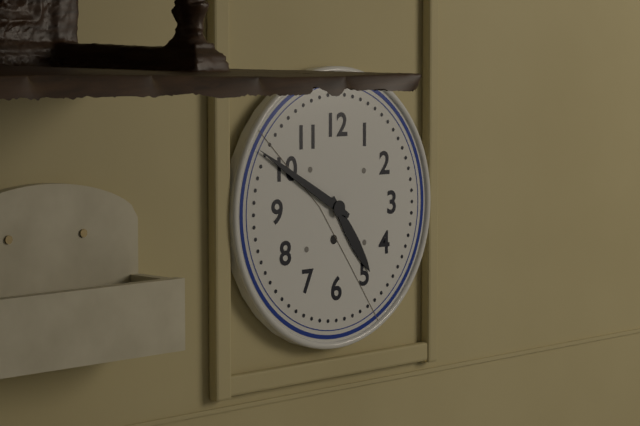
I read 4.50
